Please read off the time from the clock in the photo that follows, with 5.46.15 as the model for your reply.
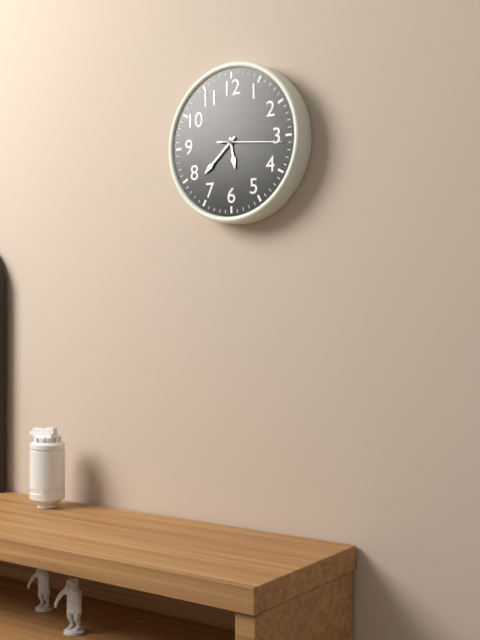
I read 5.38.16
